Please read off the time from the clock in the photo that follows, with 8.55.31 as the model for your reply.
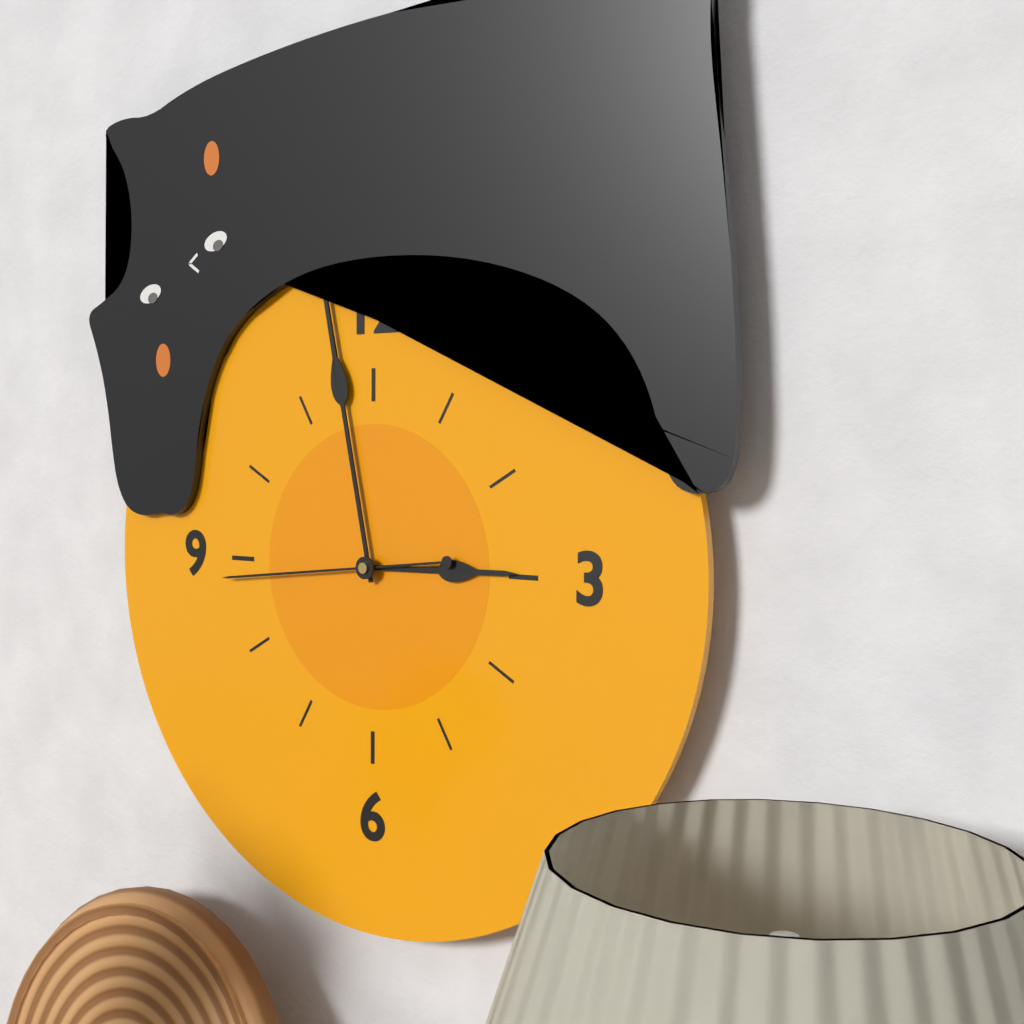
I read 2.58.44
